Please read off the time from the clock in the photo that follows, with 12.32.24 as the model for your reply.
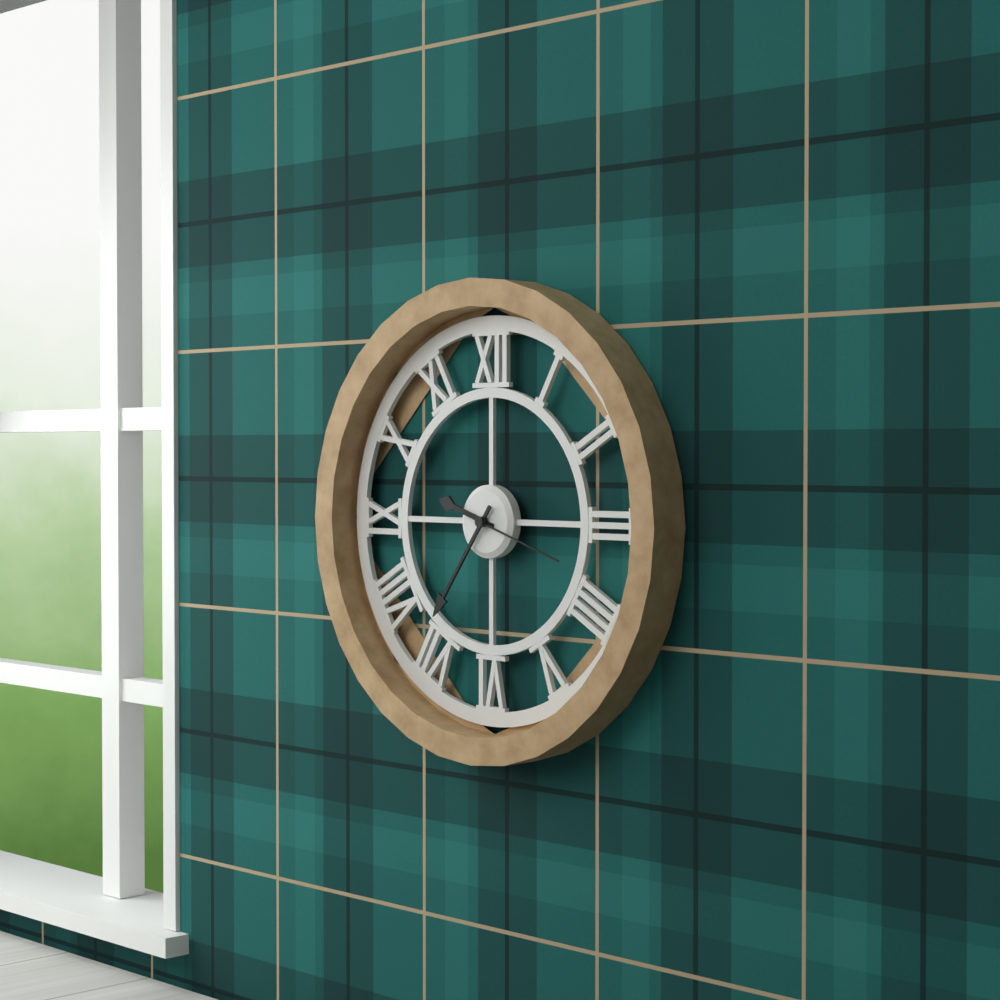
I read 9.36.18
